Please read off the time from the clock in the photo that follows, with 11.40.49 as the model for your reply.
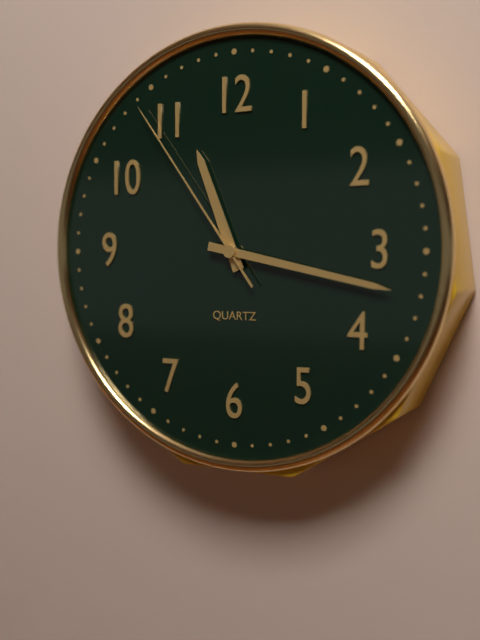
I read 11.17.54
